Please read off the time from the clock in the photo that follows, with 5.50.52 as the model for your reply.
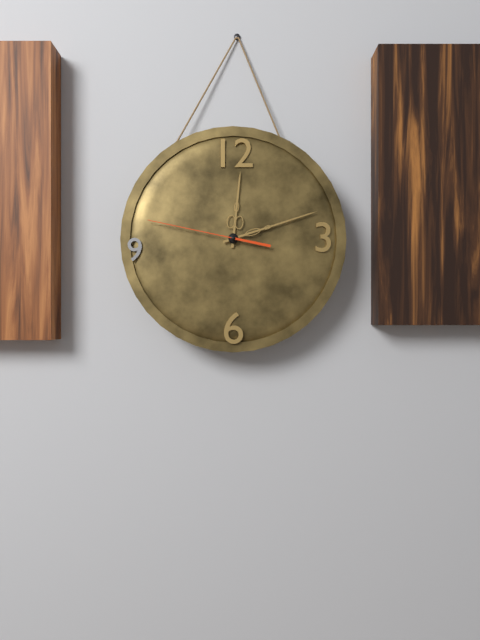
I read 12.12.47
